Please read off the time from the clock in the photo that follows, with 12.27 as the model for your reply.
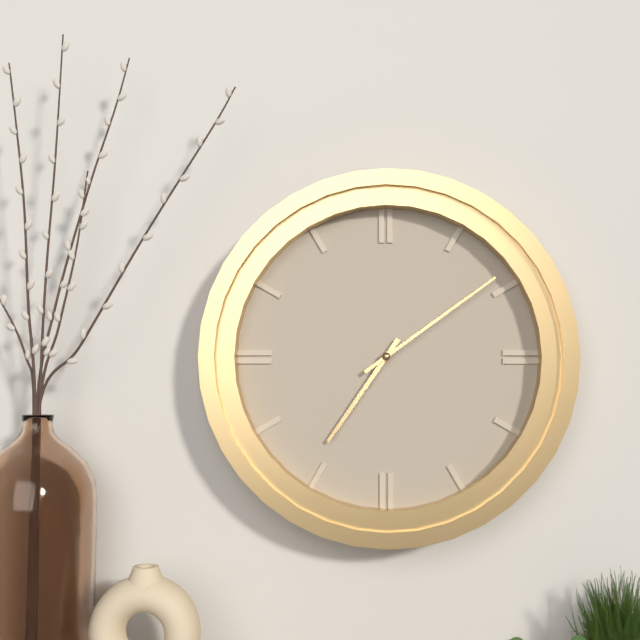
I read 7.09
